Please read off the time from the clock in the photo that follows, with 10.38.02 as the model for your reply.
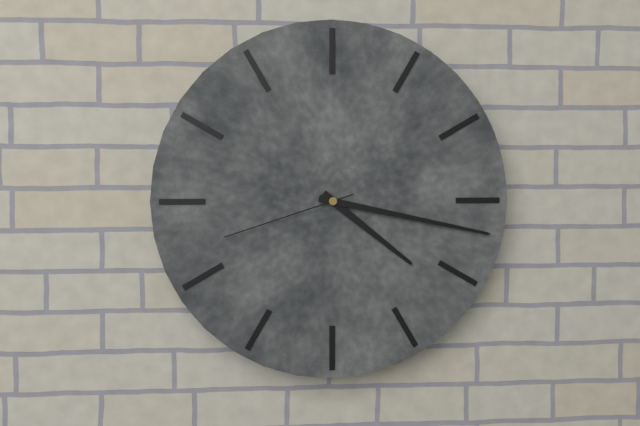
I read 4.17.42
